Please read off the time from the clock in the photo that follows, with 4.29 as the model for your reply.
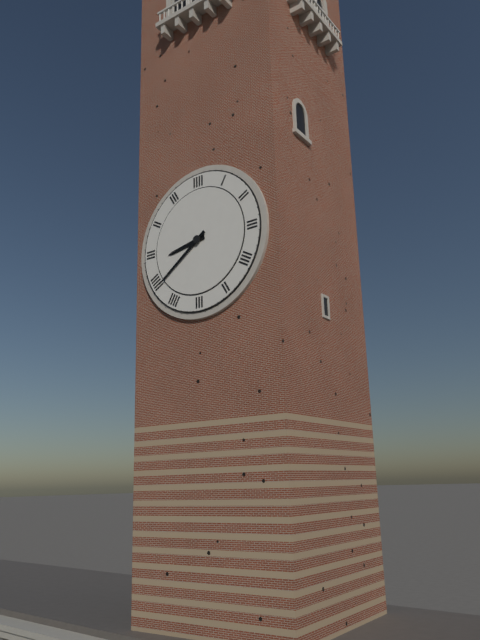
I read 8.39
